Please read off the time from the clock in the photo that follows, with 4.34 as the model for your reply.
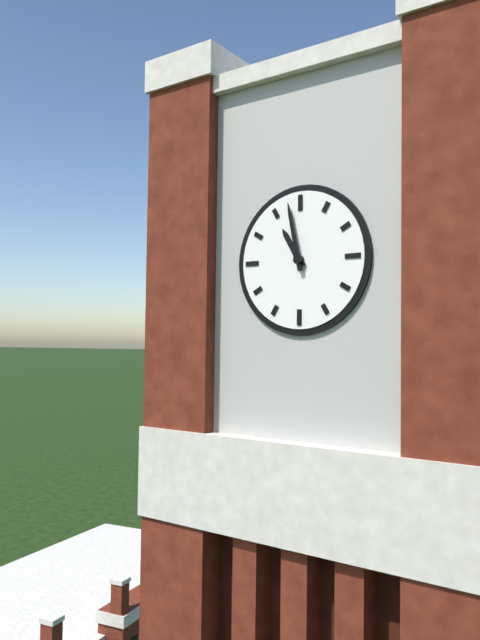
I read 10.58
